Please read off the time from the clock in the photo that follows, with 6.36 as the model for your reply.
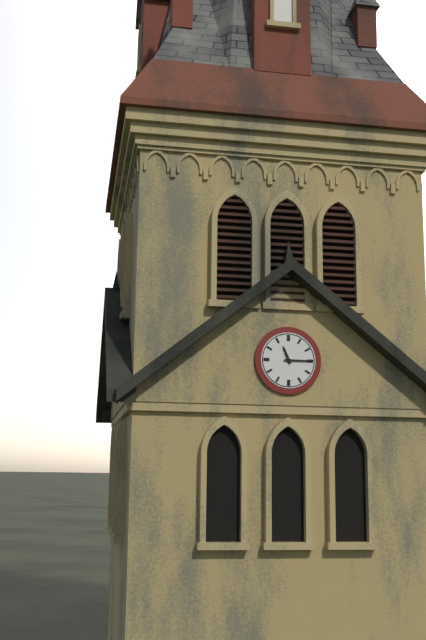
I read 11.15
